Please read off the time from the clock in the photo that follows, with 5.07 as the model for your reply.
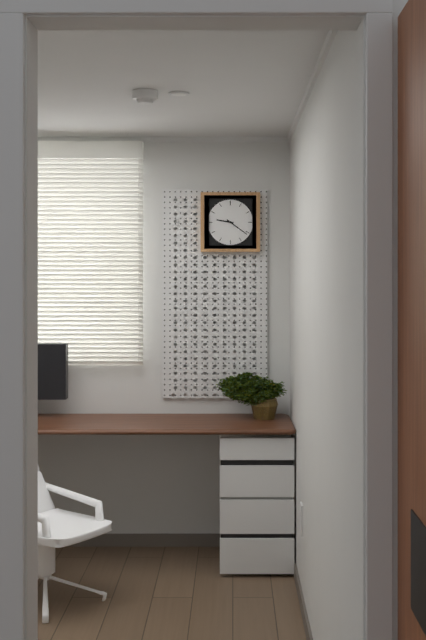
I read 9.21
